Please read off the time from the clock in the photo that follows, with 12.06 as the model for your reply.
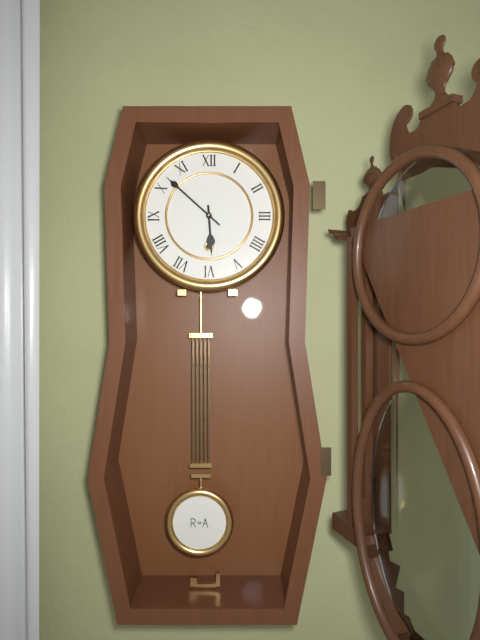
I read 5.52
